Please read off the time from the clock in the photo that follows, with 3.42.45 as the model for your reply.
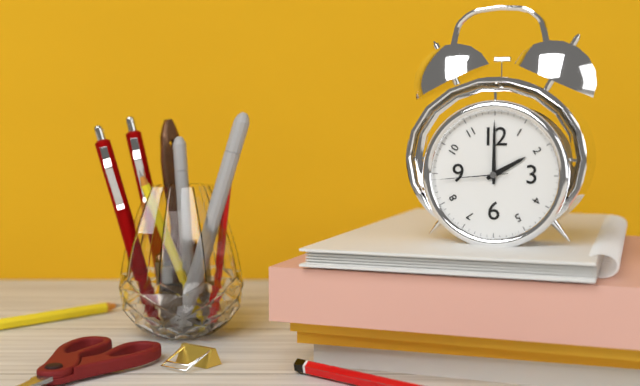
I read 2.00.44
